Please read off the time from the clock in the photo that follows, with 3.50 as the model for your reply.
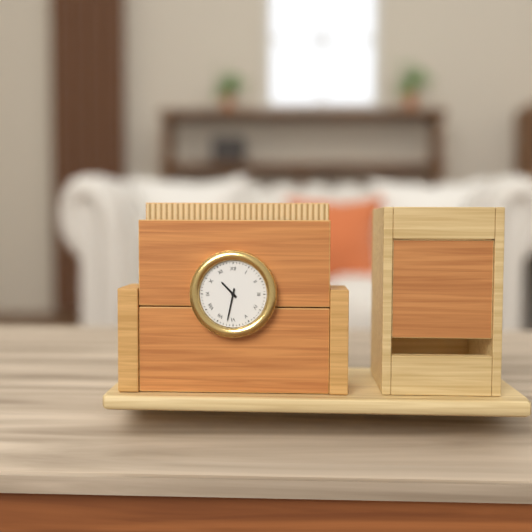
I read 10.32
